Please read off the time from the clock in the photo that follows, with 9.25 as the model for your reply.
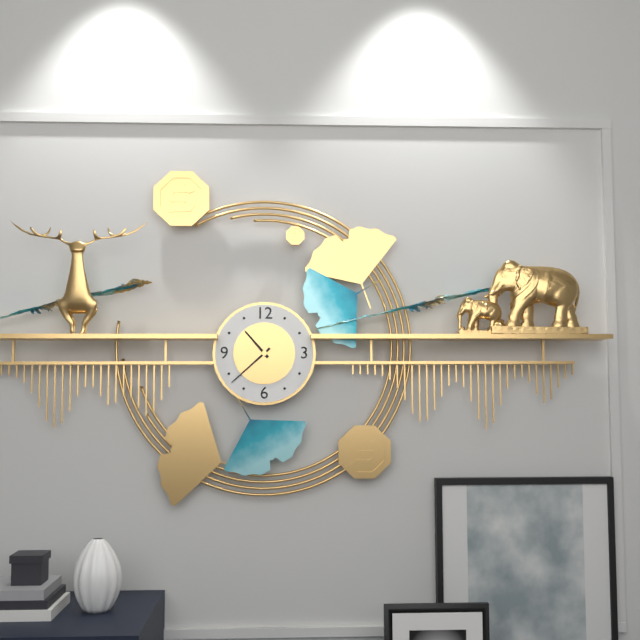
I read 10.38
